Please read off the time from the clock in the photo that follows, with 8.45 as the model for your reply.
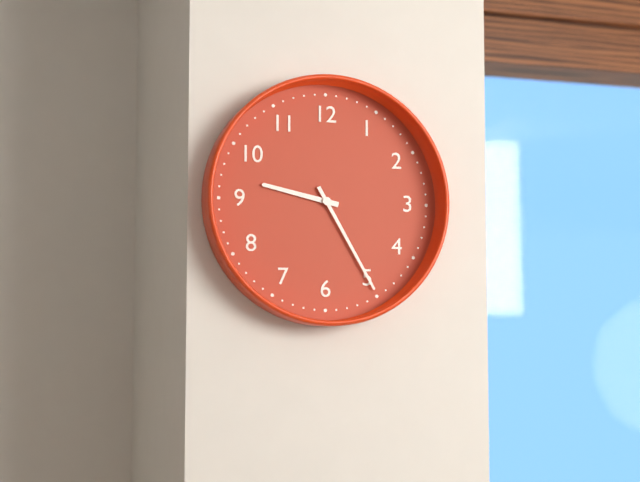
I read 9.25
